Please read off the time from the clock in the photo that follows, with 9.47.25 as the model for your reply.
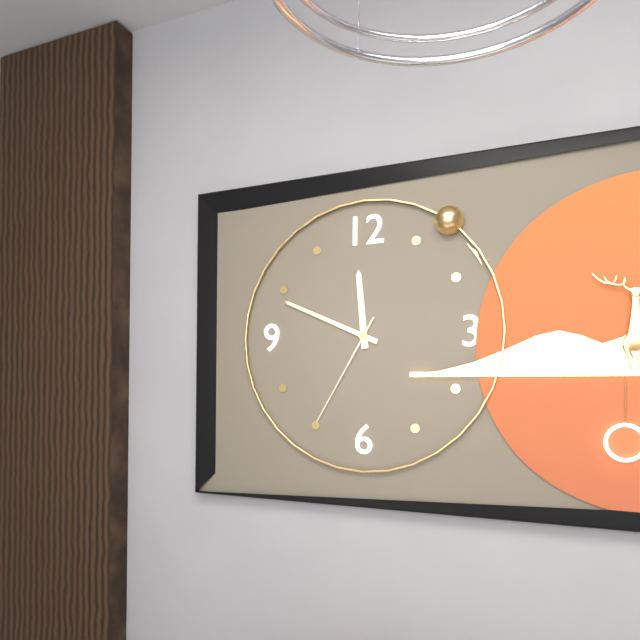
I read 11.49.35
